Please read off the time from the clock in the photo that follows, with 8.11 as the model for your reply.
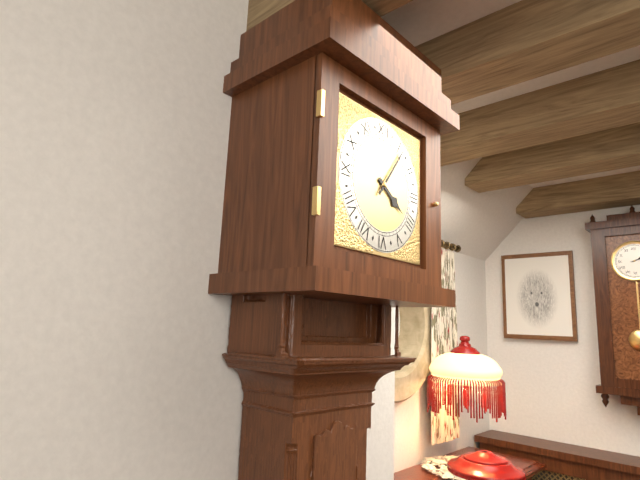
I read 4.06
